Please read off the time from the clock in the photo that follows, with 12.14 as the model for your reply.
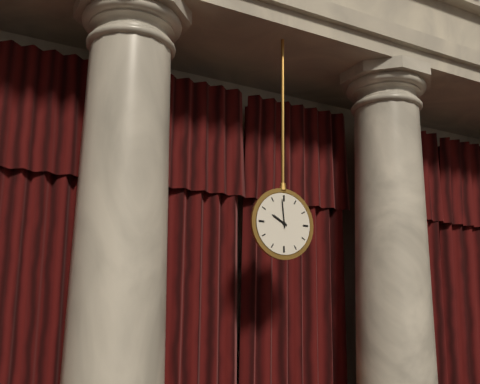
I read 9.59
